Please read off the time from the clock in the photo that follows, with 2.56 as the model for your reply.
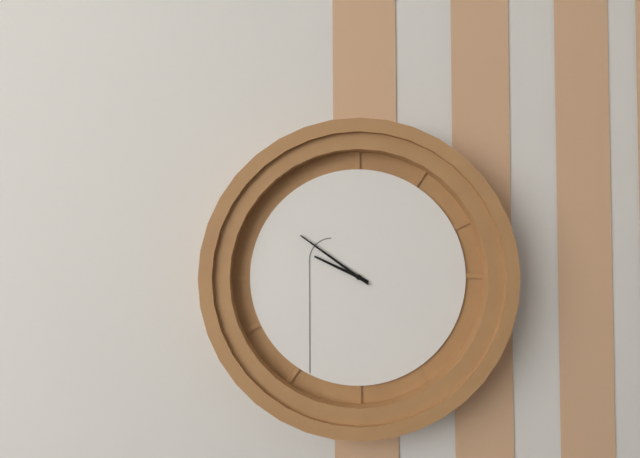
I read 9.51
